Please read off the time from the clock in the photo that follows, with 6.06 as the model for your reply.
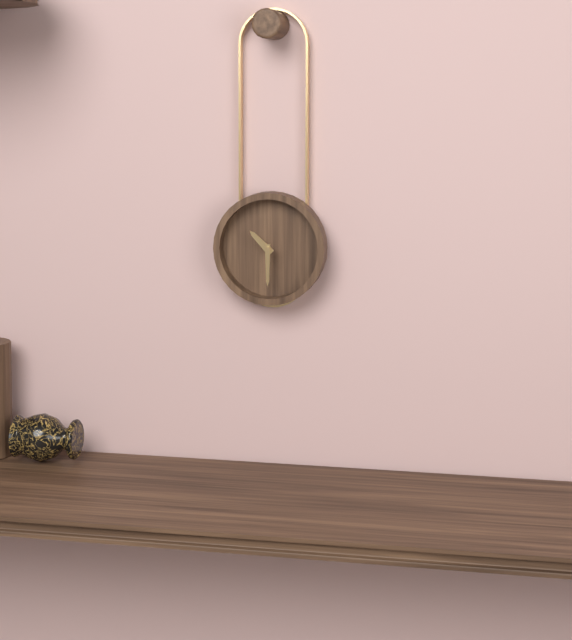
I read 10.30
